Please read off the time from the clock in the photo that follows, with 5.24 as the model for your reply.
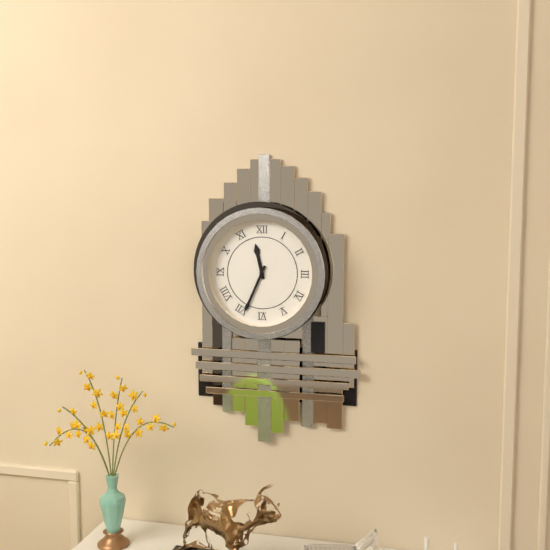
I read 11.34
